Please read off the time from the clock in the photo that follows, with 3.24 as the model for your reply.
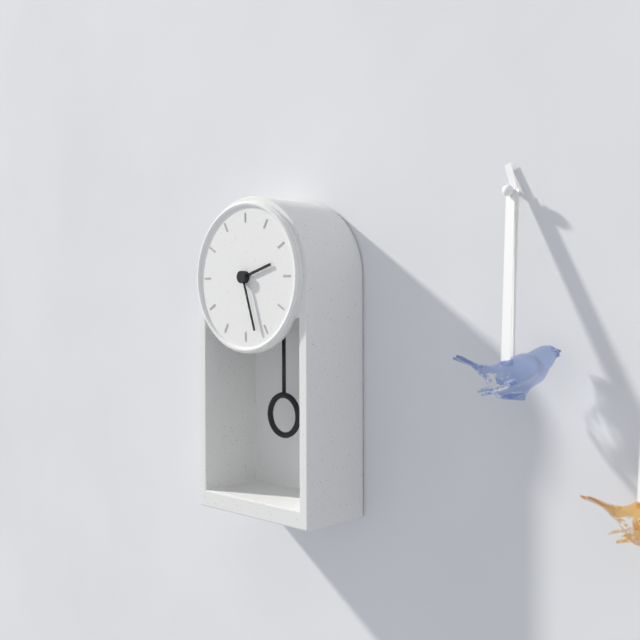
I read 2.27
